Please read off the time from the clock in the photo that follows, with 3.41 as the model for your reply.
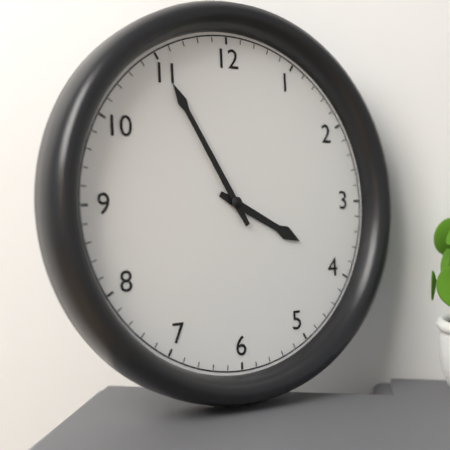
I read 3.55
